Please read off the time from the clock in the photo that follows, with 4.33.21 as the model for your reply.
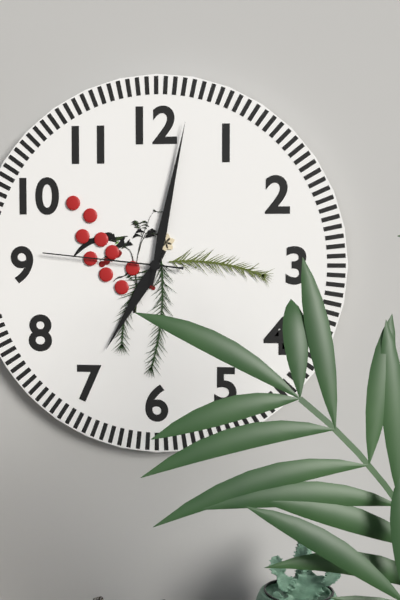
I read 7.02.46
